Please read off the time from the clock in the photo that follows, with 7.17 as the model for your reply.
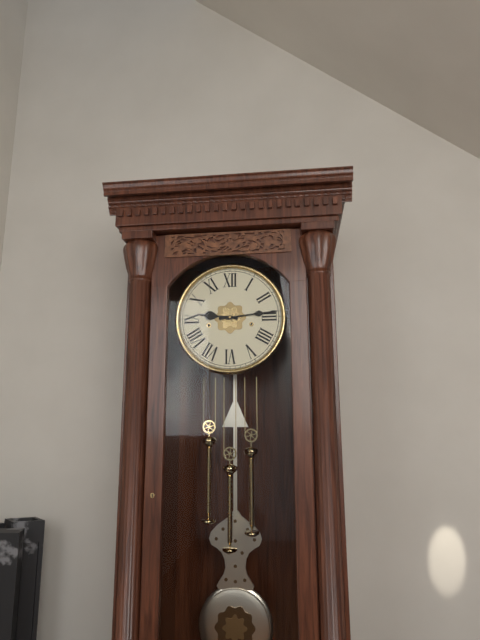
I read 9.14
